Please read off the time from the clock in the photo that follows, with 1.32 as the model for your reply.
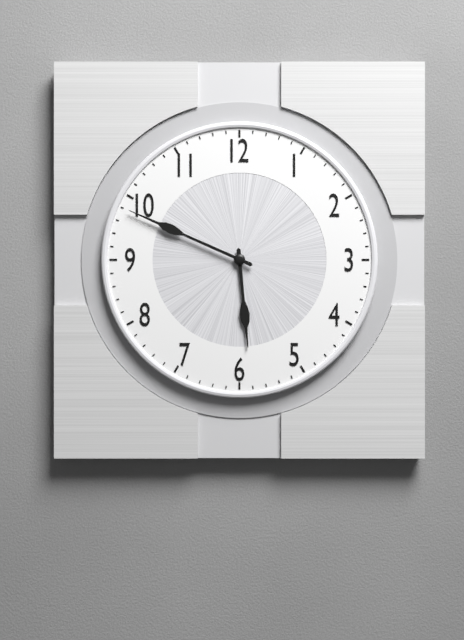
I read 5.49
